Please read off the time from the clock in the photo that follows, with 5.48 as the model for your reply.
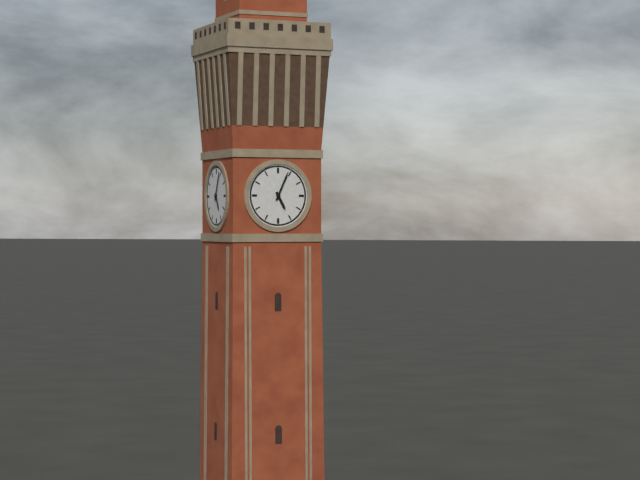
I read 5.04
